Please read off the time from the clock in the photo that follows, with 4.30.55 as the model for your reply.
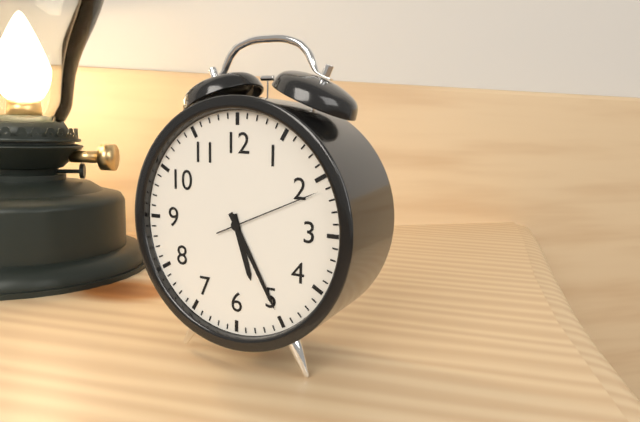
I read 5.25.11
